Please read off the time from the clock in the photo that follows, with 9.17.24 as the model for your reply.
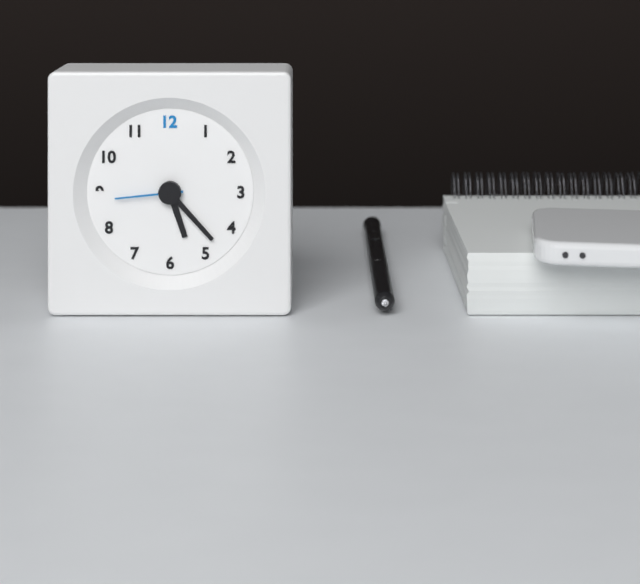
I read 5.23.44
